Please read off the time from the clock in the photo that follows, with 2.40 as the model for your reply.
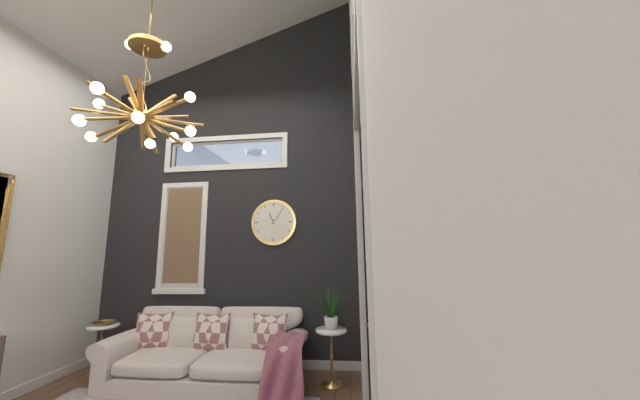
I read 11.06
